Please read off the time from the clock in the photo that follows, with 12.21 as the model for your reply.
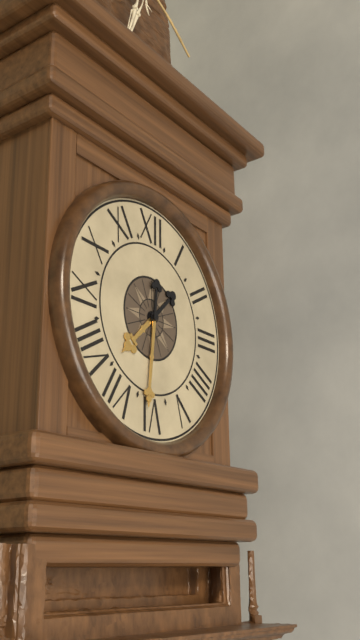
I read 7.31
